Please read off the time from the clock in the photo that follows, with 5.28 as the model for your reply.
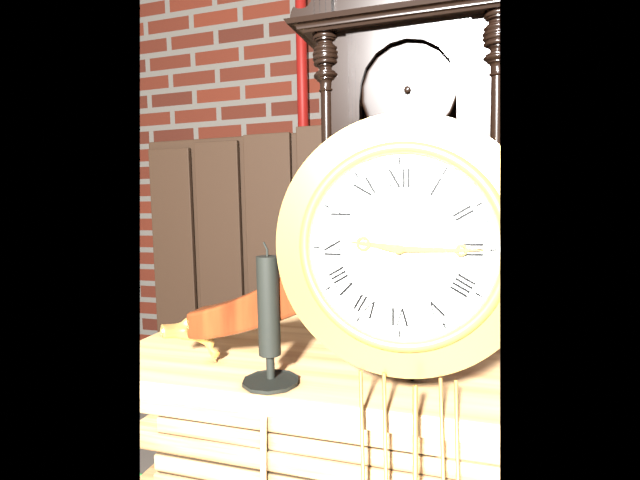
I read 9.15
